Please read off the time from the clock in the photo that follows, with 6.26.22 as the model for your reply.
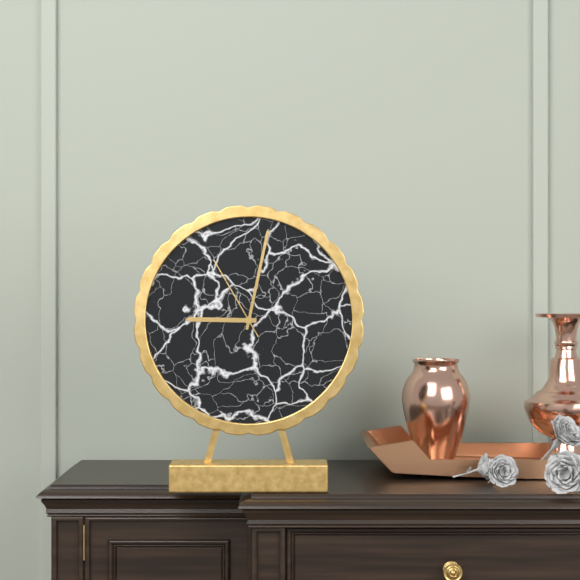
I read 9.02.55
